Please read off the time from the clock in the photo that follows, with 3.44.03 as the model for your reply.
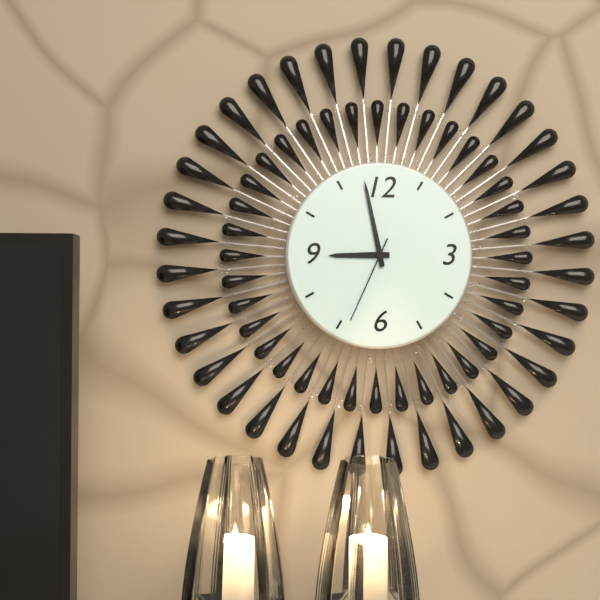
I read 8.58.34
